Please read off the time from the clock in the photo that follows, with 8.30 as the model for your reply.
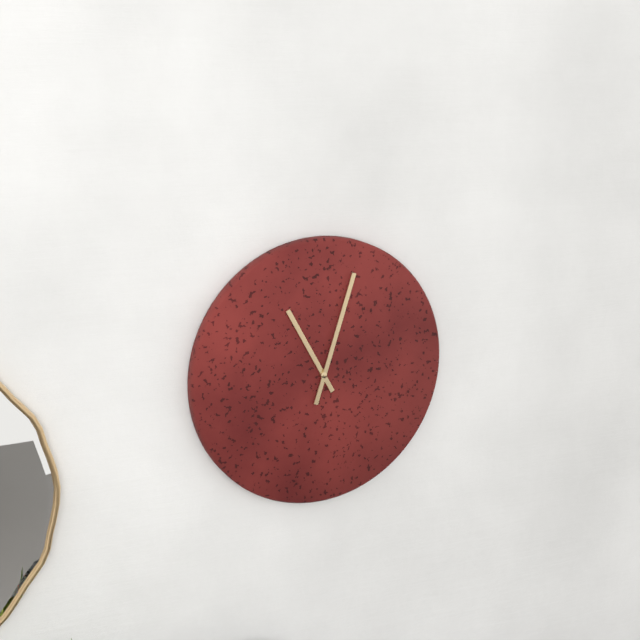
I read 11.03
